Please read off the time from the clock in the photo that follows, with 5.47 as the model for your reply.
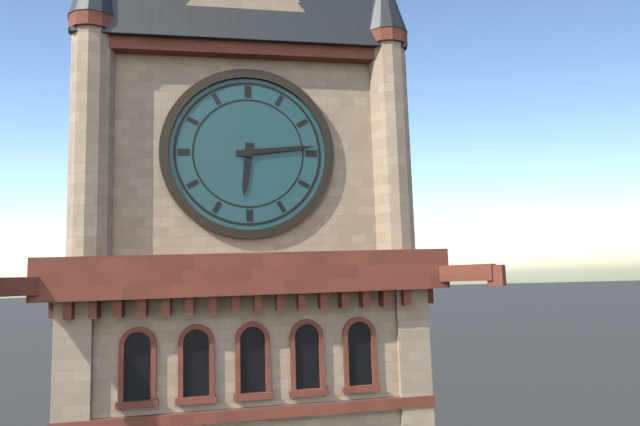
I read 6.14
